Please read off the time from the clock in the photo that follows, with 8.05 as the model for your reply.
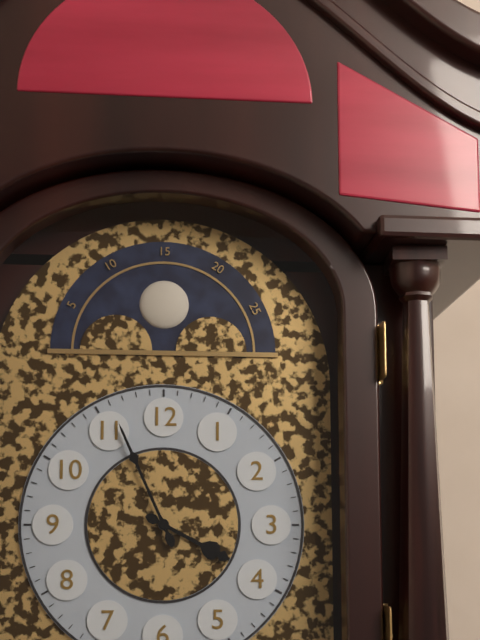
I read 3.56
